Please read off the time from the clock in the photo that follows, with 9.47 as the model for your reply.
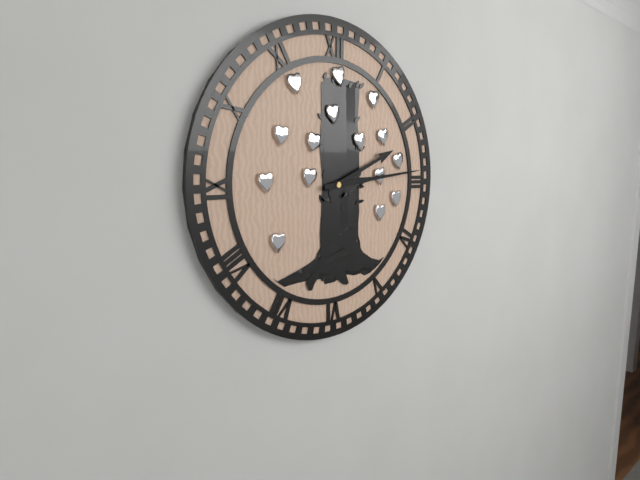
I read 2.14
